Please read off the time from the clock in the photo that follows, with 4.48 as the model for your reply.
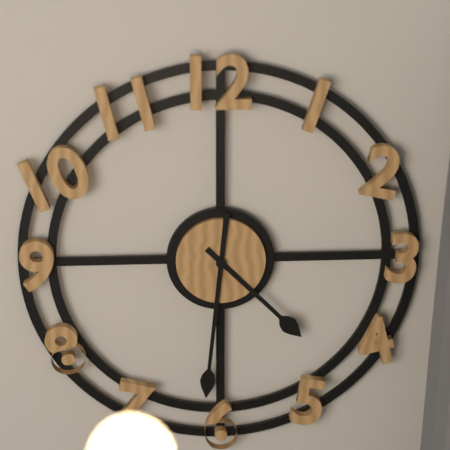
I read 4.31
